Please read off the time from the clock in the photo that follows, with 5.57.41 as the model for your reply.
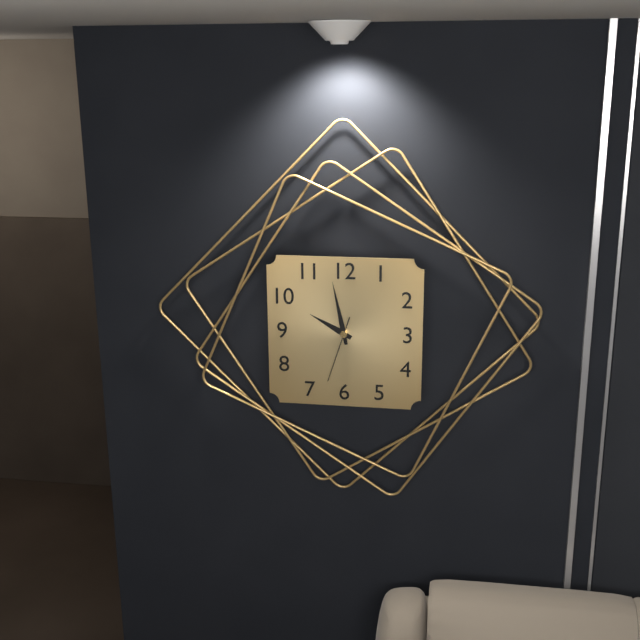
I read 9.58.33
